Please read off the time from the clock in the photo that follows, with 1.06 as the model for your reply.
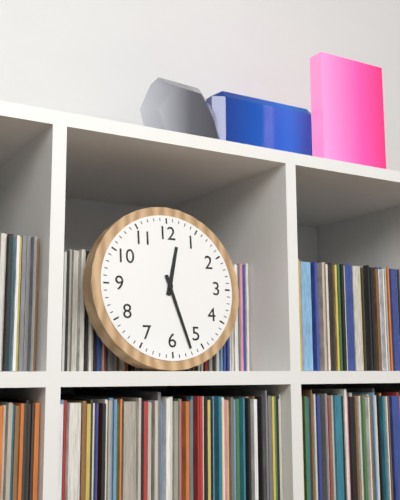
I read 12.27
